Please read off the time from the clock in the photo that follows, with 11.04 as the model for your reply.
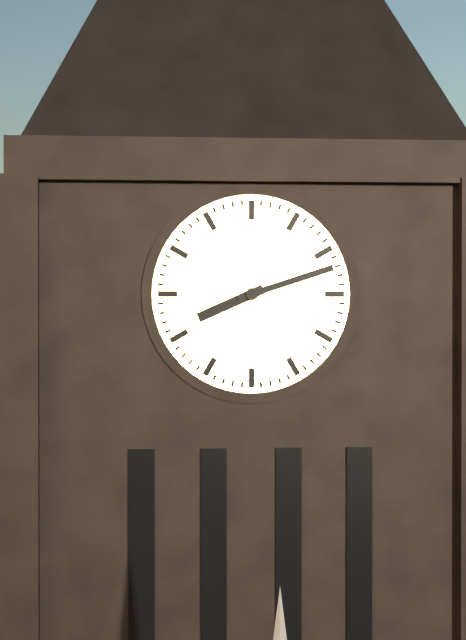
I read 8.12
